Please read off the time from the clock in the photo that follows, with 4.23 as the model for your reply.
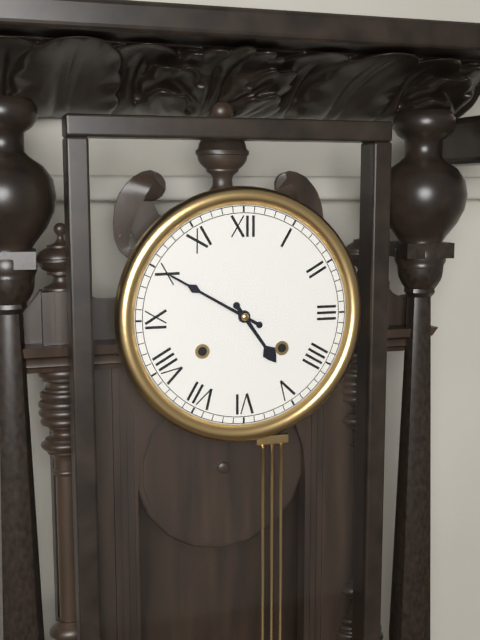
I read 4.50
